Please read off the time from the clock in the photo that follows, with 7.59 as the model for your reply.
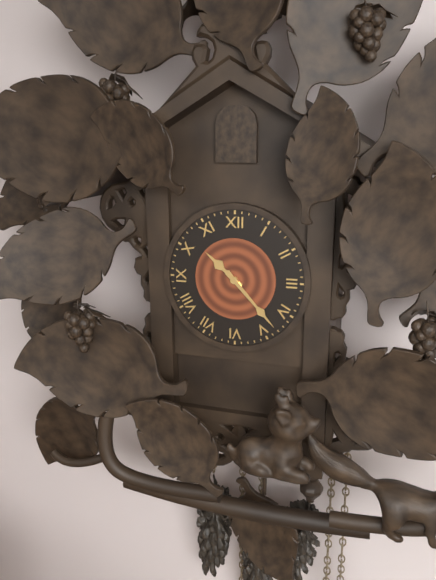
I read 10.23
